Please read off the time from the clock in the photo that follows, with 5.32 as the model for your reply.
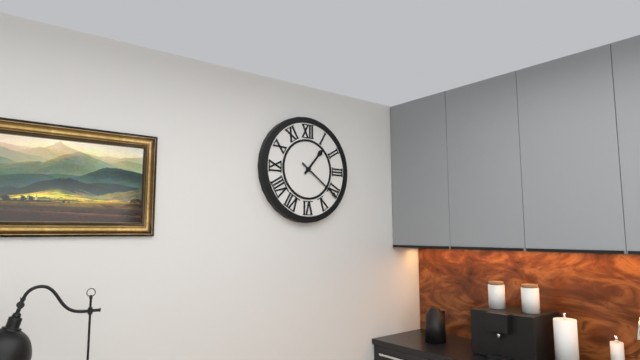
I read 1.21
